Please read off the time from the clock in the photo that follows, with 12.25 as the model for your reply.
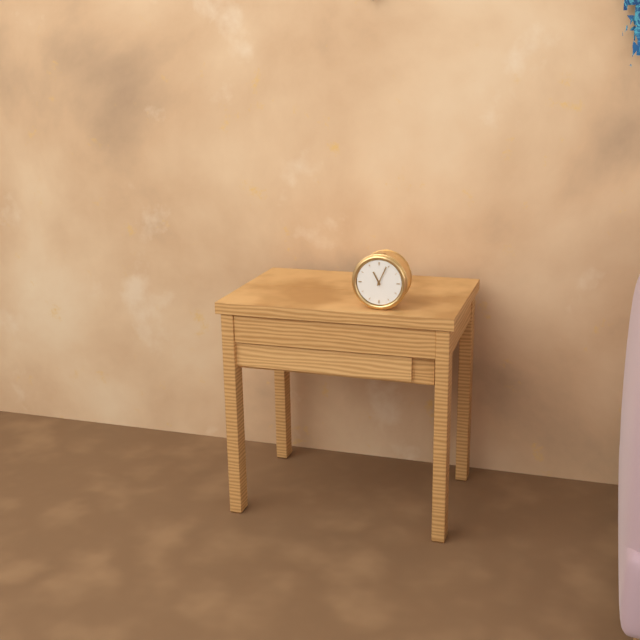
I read 11.04
